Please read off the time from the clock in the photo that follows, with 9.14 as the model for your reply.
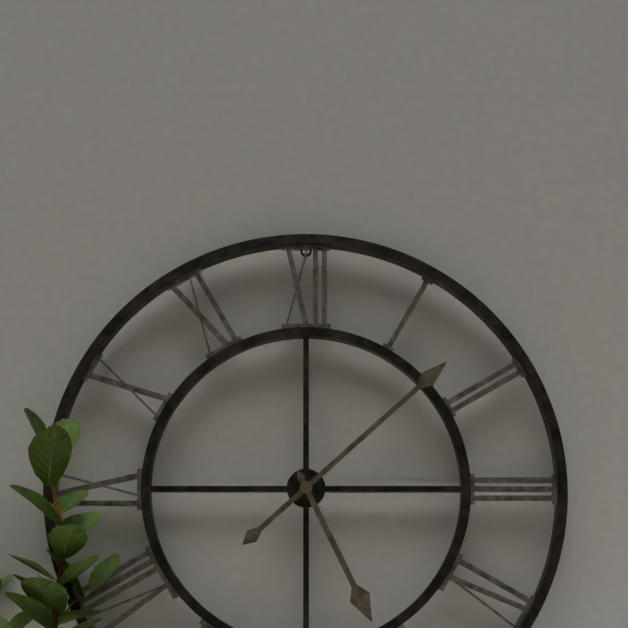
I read 5.08
